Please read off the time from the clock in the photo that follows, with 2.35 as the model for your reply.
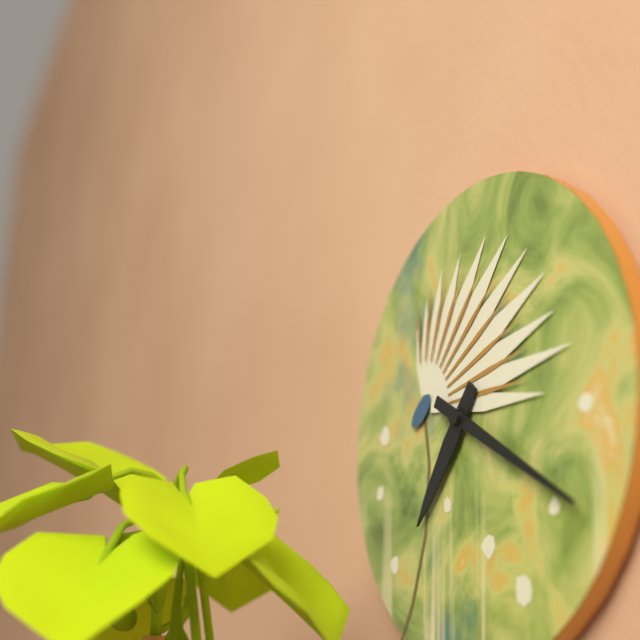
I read 7.20
